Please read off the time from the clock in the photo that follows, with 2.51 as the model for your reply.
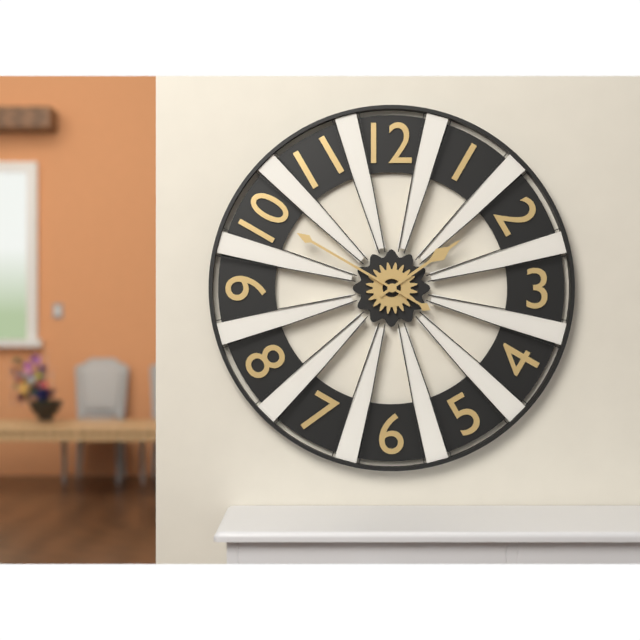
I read 1.50
